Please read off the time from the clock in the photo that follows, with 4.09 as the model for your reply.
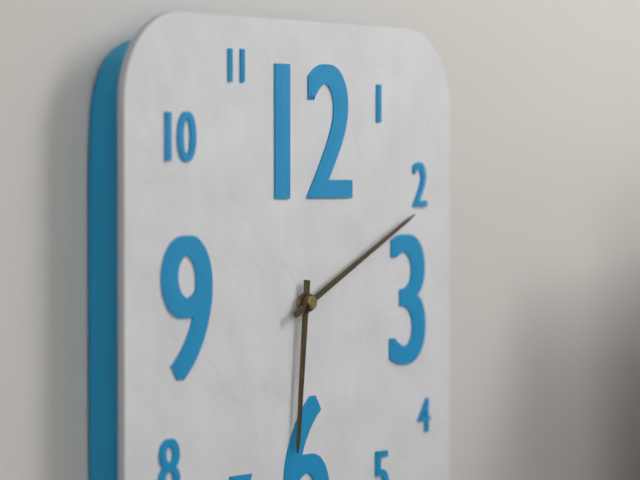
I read 6.11
